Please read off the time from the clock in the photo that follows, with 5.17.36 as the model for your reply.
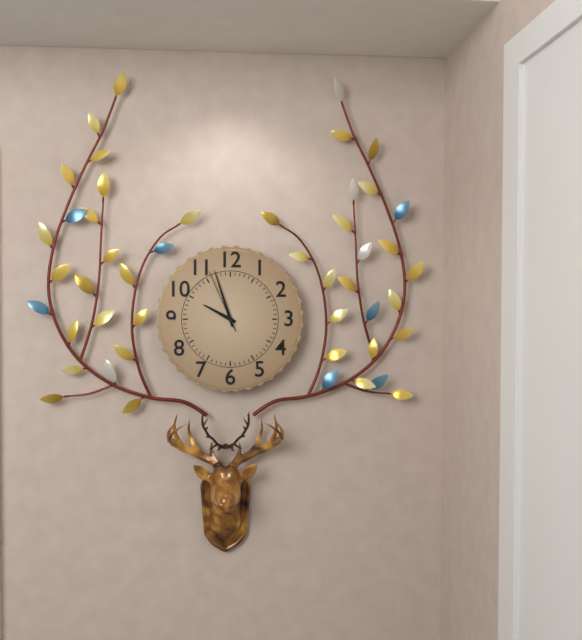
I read 9.57.56
